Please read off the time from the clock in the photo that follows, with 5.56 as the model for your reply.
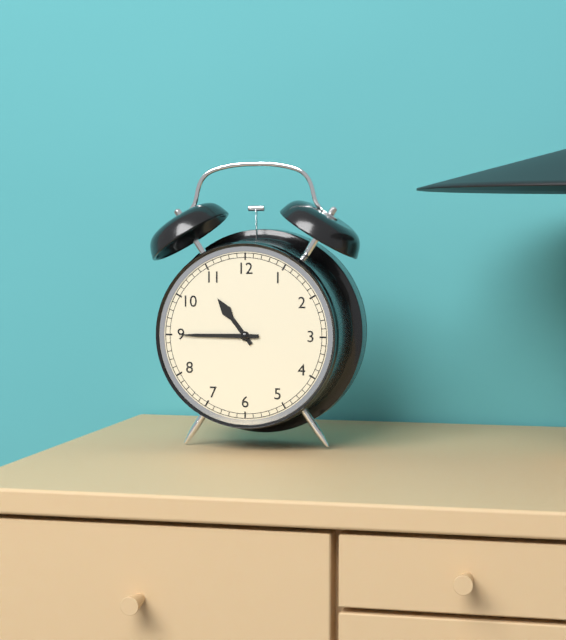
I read 10.45
